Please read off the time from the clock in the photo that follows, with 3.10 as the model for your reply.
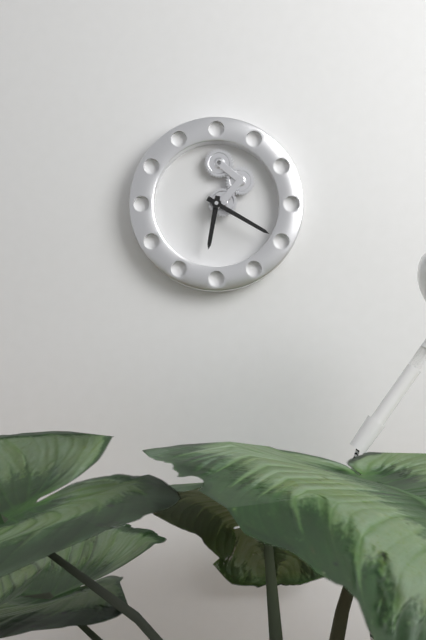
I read 6.20
